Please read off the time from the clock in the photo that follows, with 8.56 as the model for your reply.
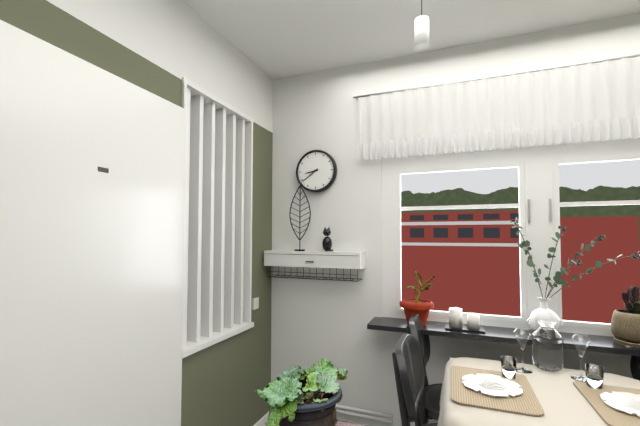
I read 8.39
